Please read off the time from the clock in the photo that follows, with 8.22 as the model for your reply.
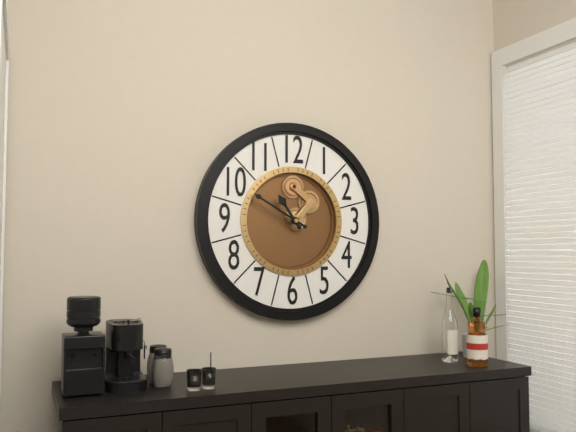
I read 10.50
